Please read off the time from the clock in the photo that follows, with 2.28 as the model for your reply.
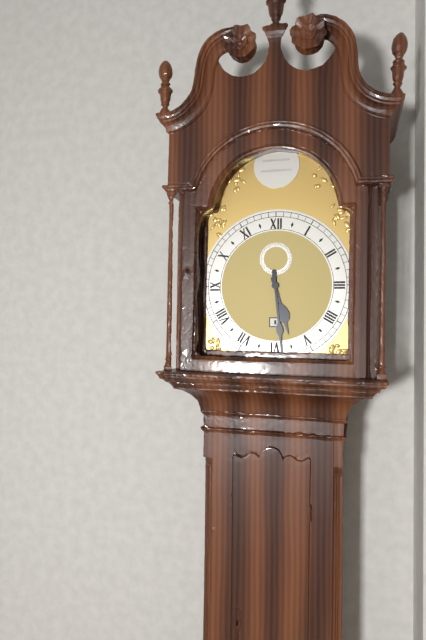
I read 5.29
